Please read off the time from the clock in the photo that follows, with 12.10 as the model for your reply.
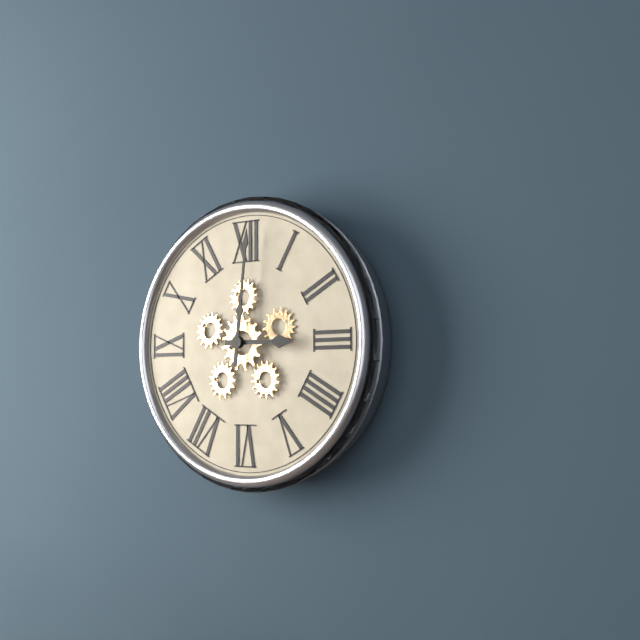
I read 3.01
